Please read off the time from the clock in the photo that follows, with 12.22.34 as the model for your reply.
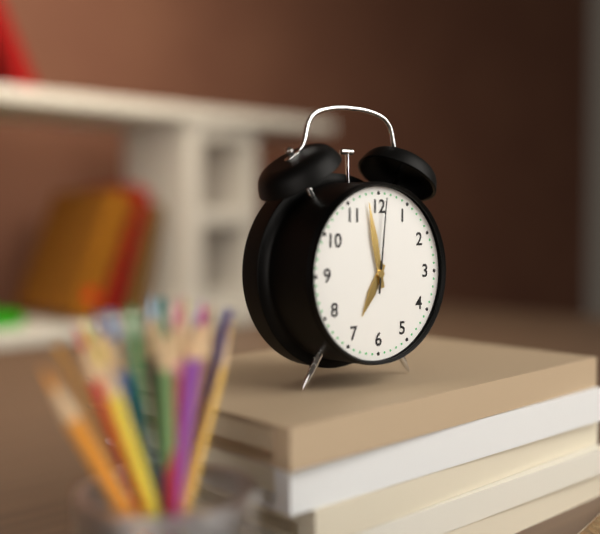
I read 6.58.01
